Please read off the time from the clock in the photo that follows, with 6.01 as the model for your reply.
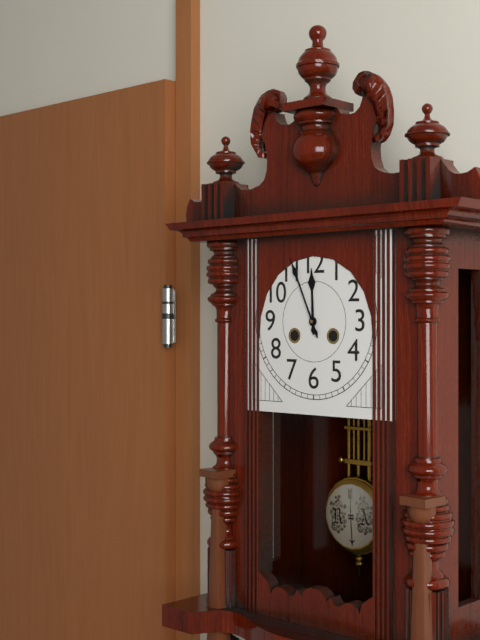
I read 11.56
